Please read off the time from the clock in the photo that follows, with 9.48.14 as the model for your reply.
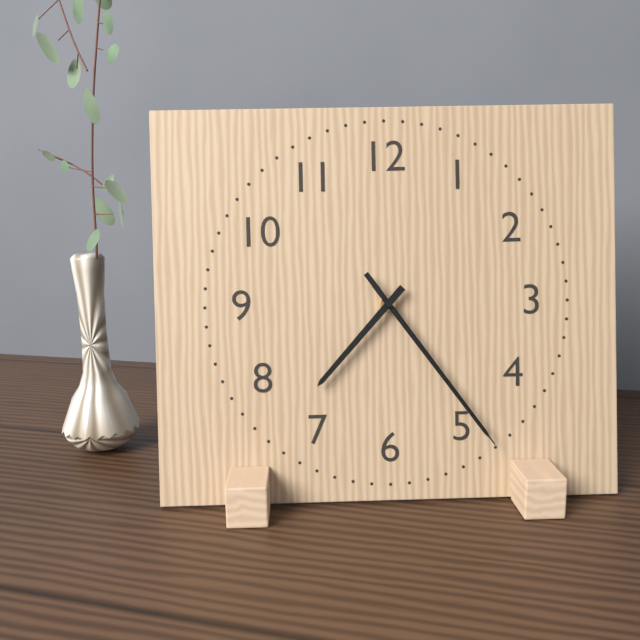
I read 7.24.24
